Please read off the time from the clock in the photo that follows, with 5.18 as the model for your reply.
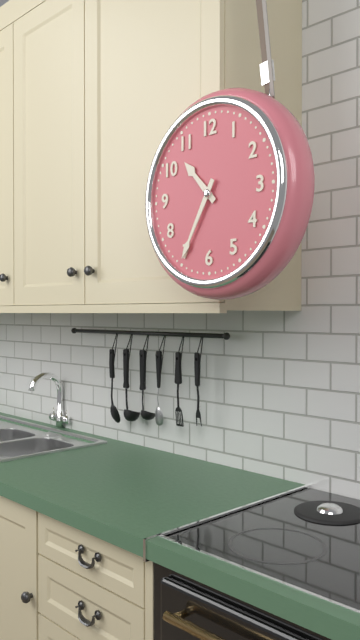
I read 10.35
